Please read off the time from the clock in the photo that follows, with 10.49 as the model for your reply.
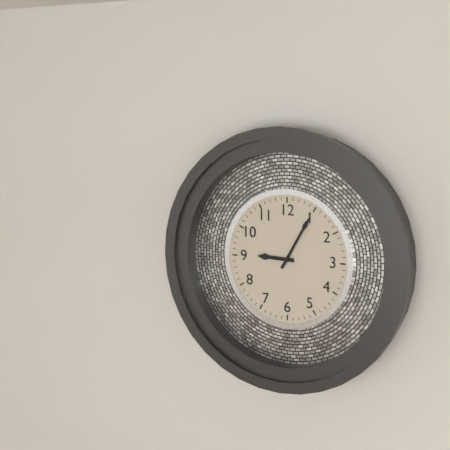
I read 9.05
